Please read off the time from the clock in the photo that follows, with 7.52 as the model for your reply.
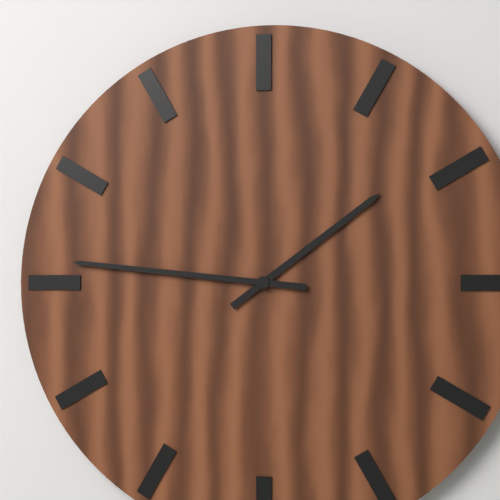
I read 1.46
